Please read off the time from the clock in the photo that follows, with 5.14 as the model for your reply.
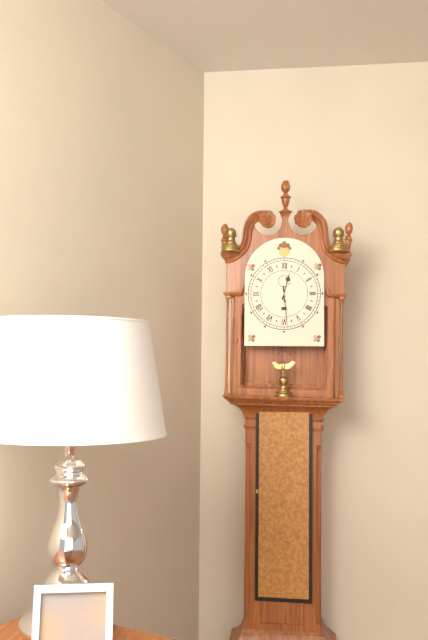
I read 12.29
